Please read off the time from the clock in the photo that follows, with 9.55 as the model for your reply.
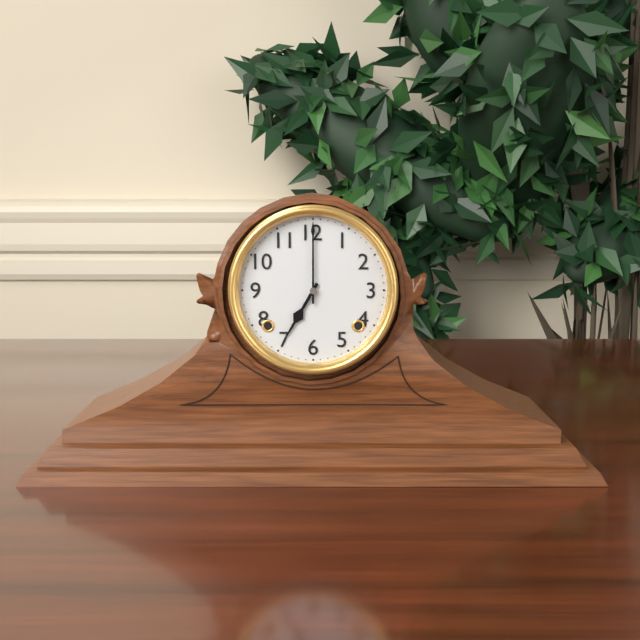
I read 7.00
